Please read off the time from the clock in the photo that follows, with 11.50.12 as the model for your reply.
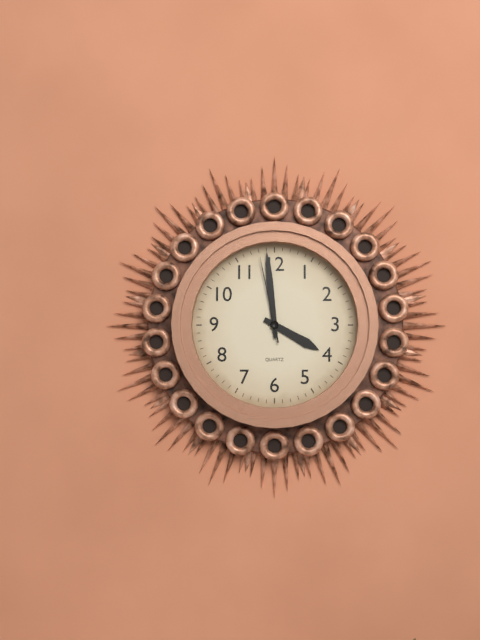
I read 3.59.58
